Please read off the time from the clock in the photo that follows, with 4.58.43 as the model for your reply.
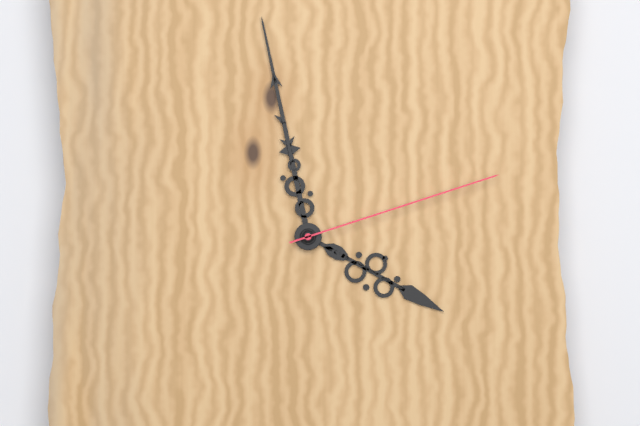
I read 3.58.12
